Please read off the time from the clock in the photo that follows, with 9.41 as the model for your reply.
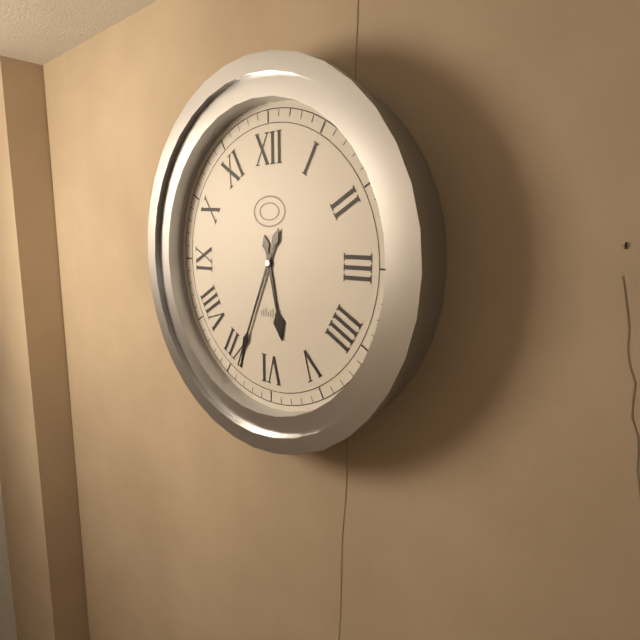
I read 5.34
